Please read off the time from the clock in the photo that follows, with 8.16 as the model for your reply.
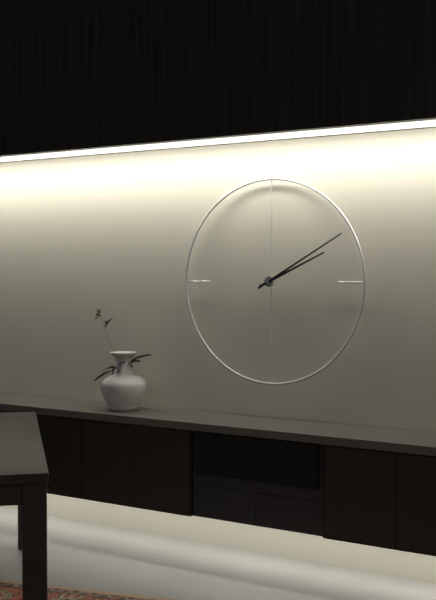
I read 2.10
